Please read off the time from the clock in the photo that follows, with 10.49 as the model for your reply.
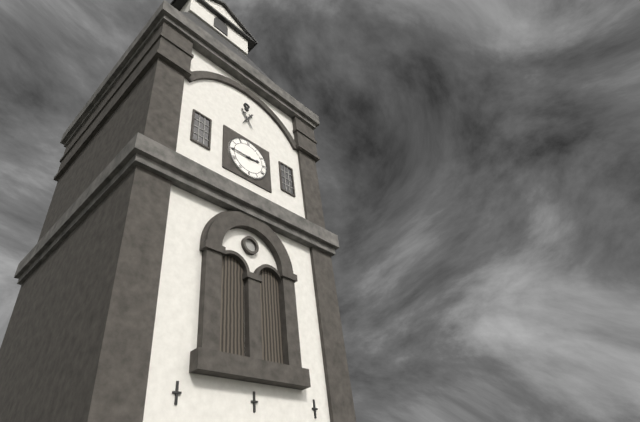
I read 2.45
